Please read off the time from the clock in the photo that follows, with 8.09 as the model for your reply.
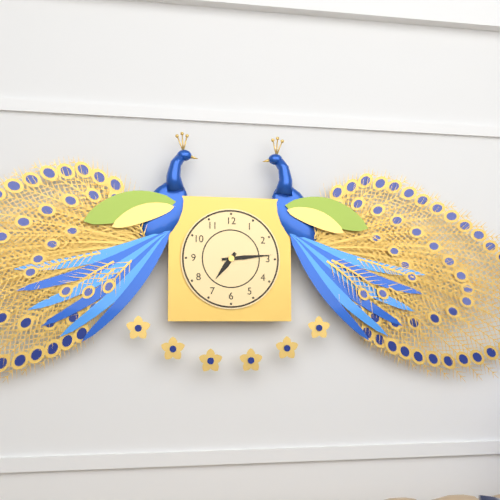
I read 7.14
